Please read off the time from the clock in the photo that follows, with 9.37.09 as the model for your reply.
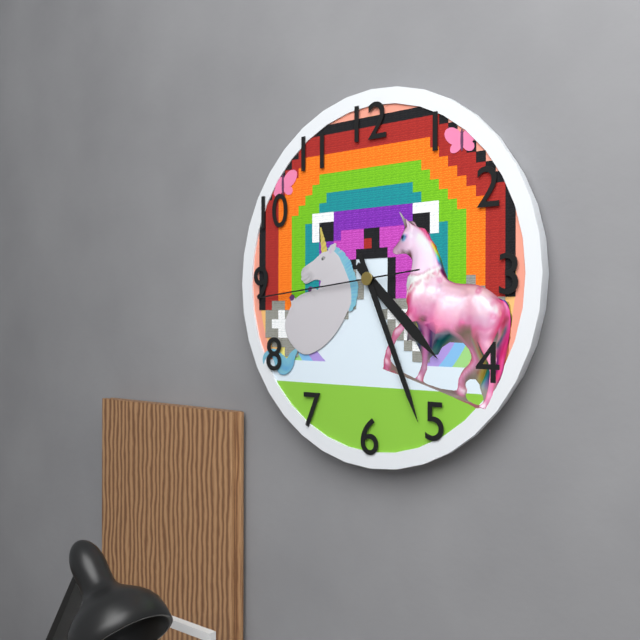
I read 4.26.44
